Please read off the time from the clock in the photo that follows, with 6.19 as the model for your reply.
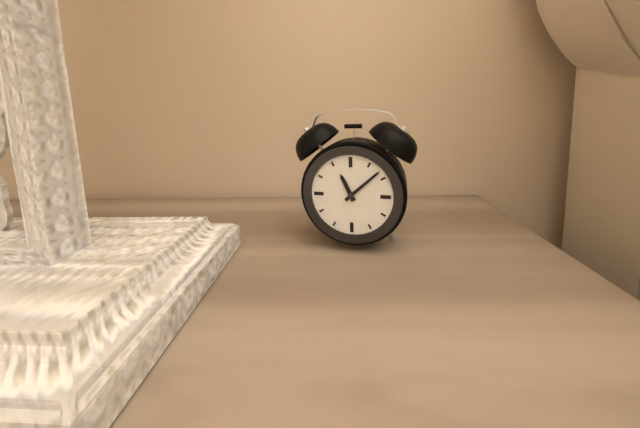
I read 11.08
